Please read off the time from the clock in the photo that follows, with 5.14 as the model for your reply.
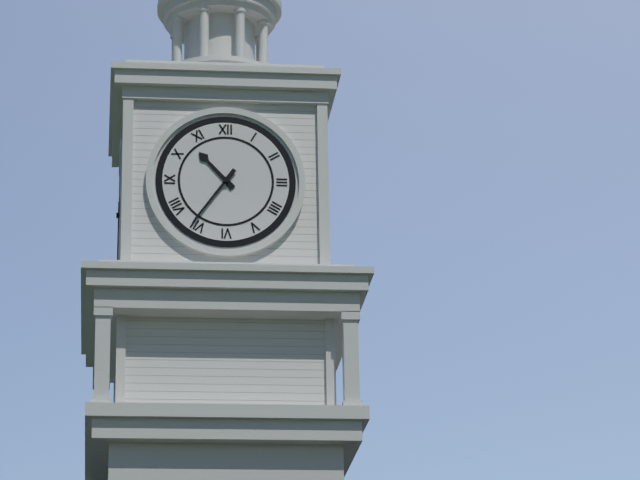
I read 10.36
